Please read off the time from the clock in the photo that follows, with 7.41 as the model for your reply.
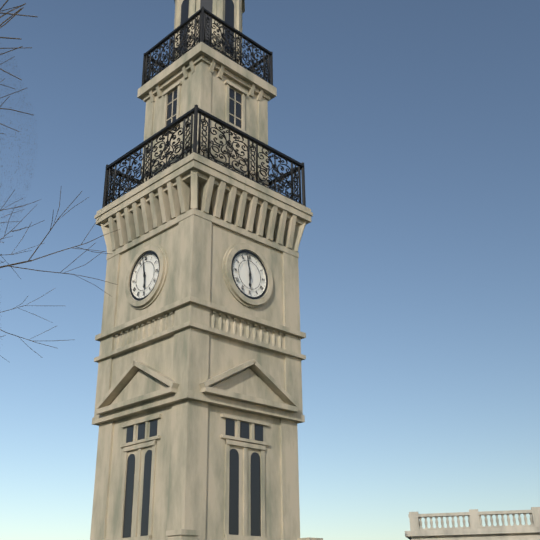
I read 5.58
